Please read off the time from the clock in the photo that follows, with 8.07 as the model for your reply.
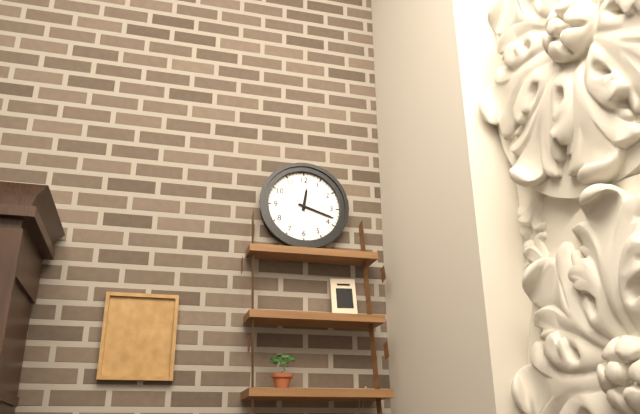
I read 12.18
